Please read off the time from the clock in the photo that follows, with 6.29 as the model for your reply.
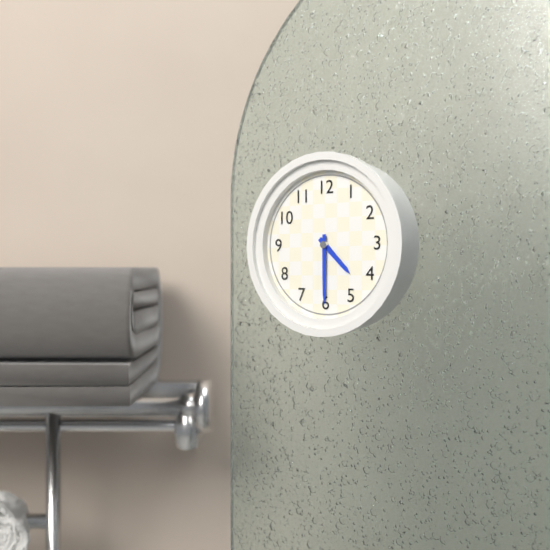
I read 4.30
